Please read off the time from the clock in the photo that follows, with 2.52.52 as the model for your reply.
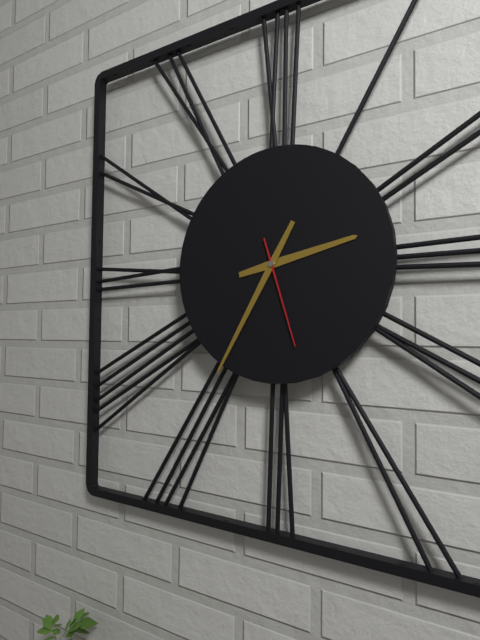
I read 2.35.27
